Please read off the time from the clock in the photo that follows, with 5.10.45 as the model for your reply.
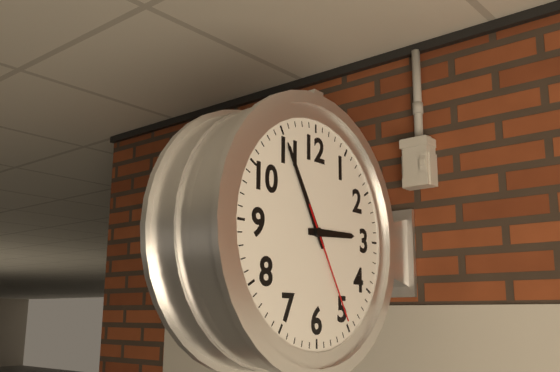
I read 2.55.25
